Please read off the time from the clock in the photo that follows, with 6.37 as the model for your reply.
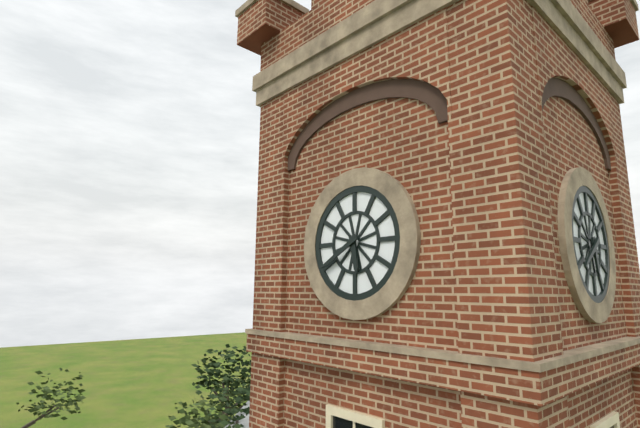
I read 5.40
